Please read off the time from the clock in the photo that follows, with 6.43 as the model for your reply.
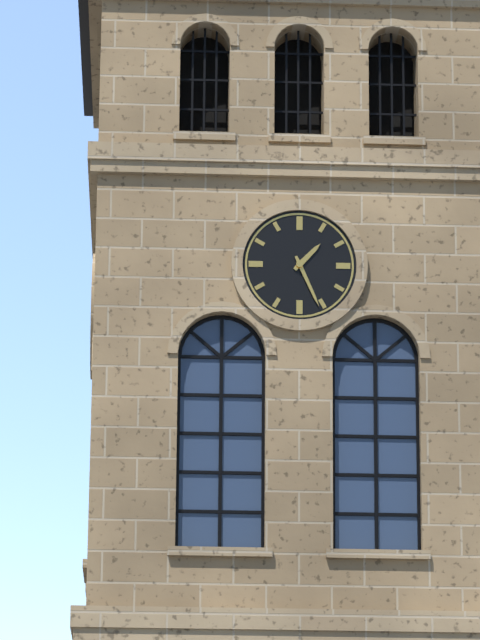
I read 1.26
